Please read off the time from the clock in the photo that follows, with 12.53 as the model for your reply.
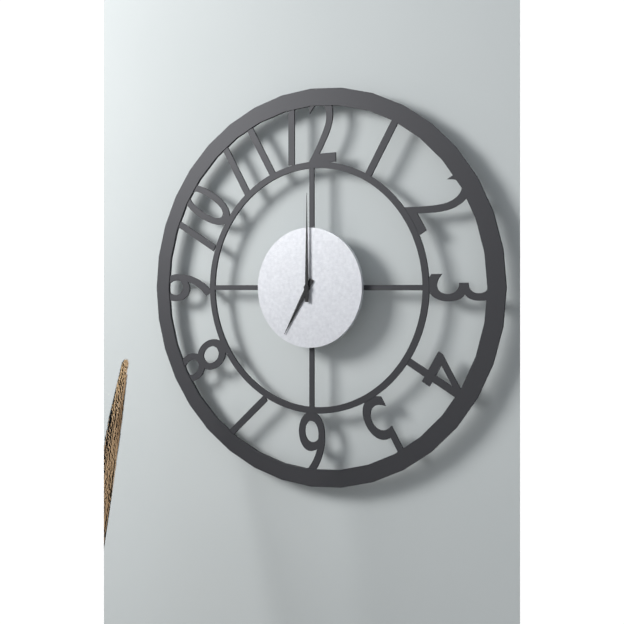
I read 7.00
